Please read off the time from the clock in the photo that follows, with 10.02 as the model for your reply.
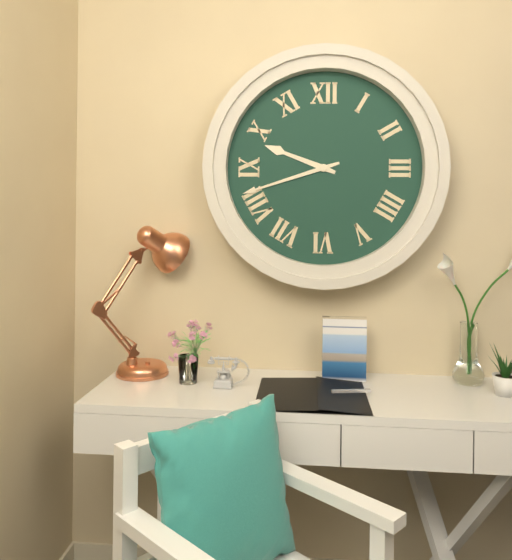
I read 9.42
